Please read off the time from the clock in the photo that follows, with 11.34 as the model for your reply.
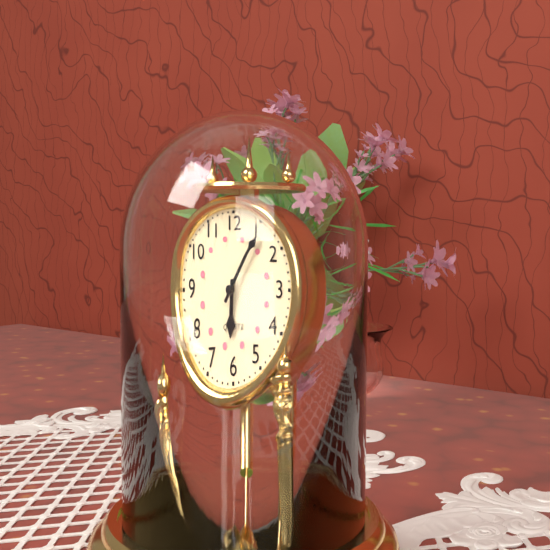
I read 6.06
